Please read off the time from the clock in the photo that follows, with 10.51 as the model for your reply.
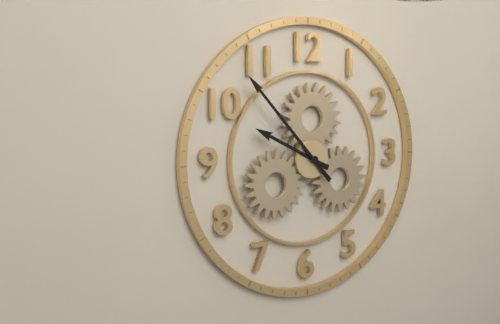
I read 9.53
